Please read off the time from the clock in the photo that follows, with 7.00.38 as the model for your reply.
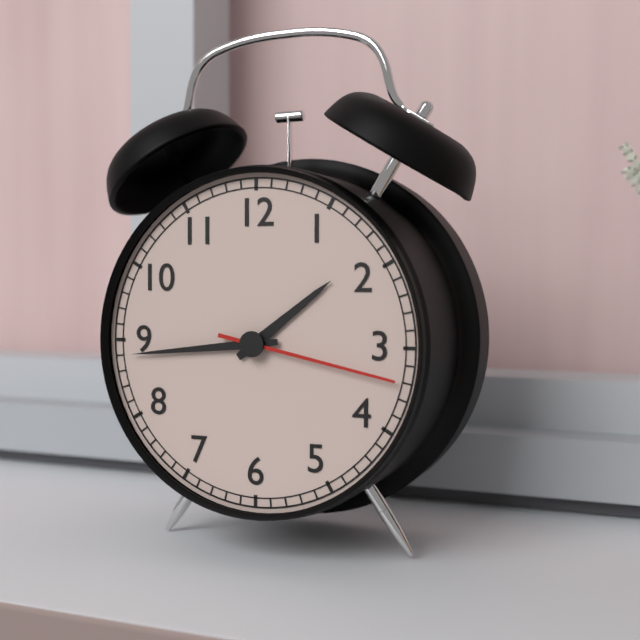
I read 1.44.17
